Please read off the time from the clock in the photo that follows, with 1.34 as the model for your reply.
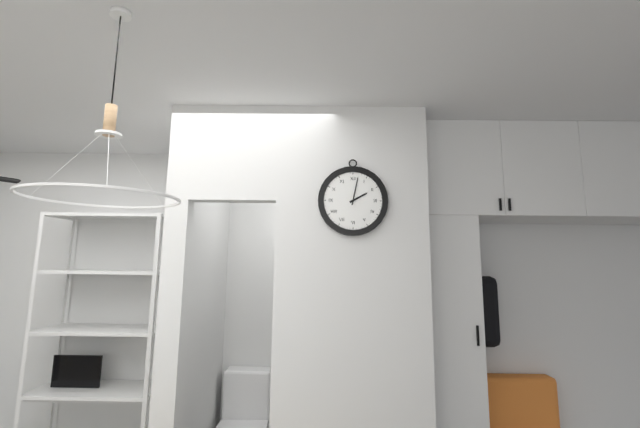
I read 2.02
